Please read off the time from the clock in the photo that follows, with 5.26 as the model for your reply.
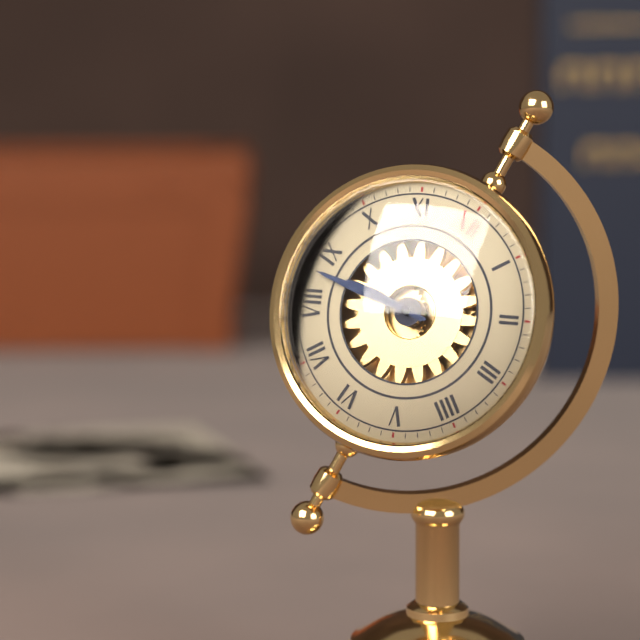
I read 8.43
